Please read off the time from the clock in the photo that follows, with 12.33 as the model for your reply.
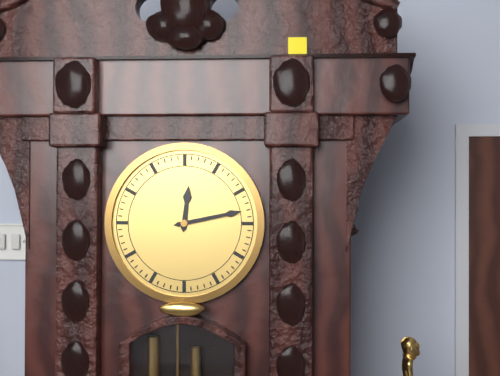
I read 12.13
